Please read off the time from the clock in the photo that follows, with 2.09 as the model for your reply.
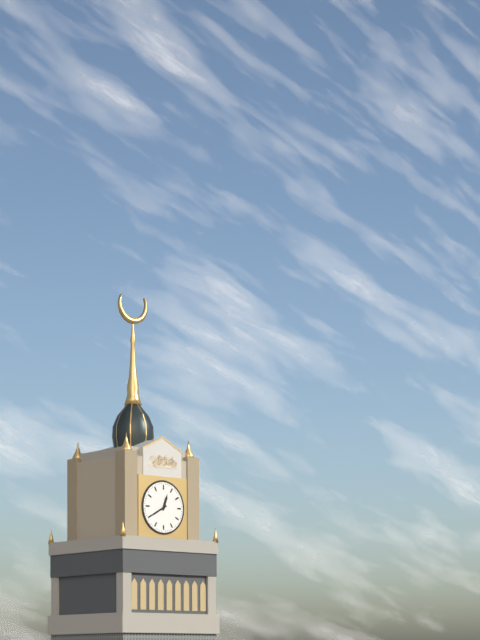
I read 12.40
